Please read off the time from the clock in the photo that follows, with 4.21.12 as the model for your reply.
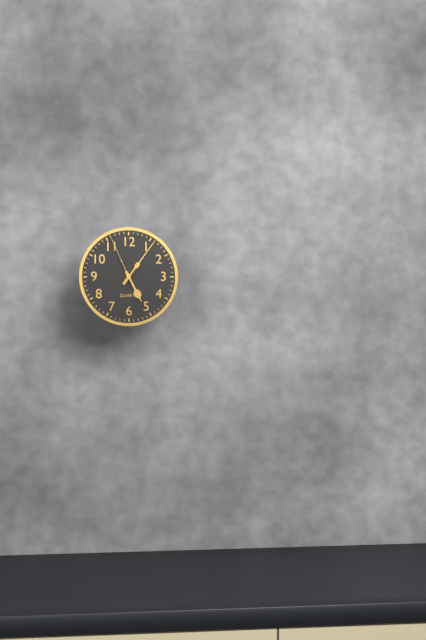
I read 5.06.56
